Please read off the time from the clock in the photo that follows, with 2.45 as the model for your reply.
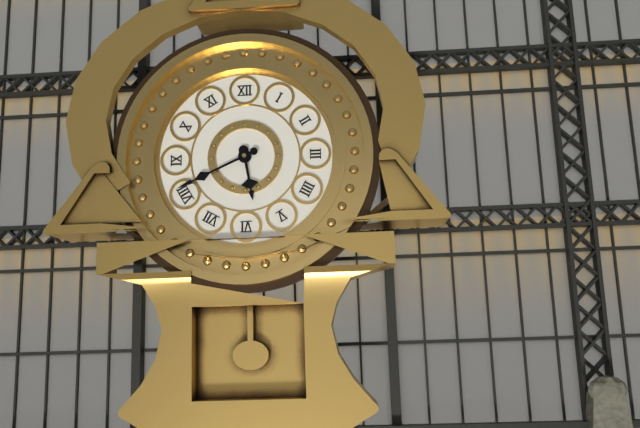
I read 5.41
